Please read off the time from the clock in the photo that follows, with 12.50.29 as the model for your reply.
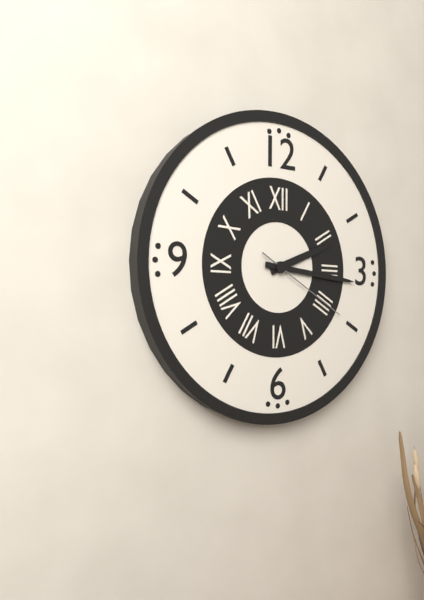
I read 2.16.20
